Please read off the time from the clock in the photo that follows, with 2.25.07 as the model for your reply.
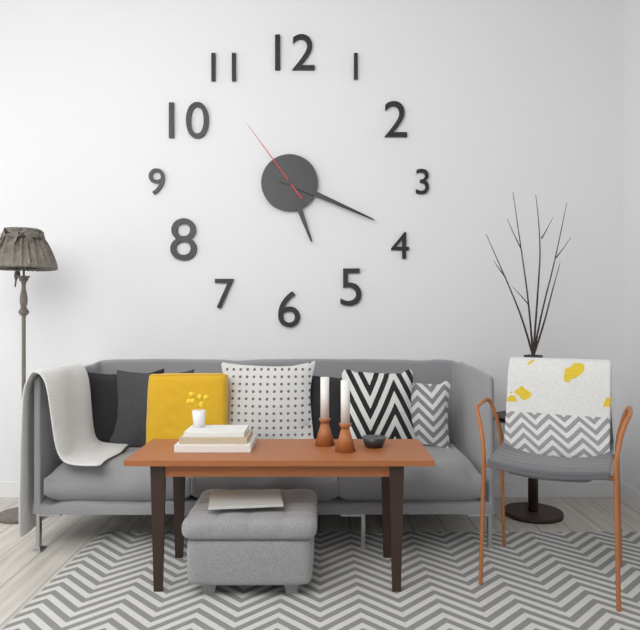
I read 5.19.54
